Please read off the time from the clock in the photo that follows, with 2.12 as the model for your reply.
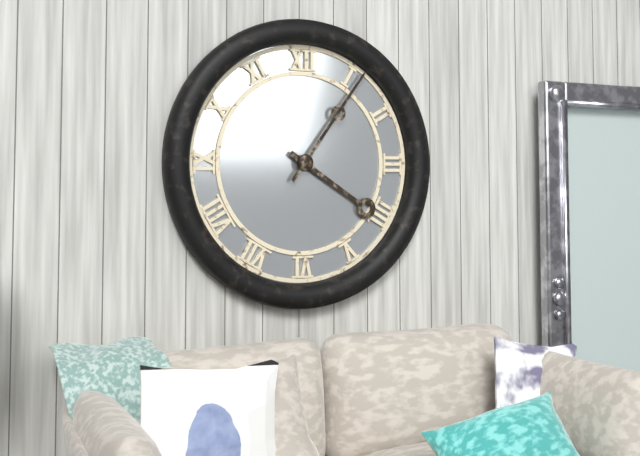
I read 4.06
